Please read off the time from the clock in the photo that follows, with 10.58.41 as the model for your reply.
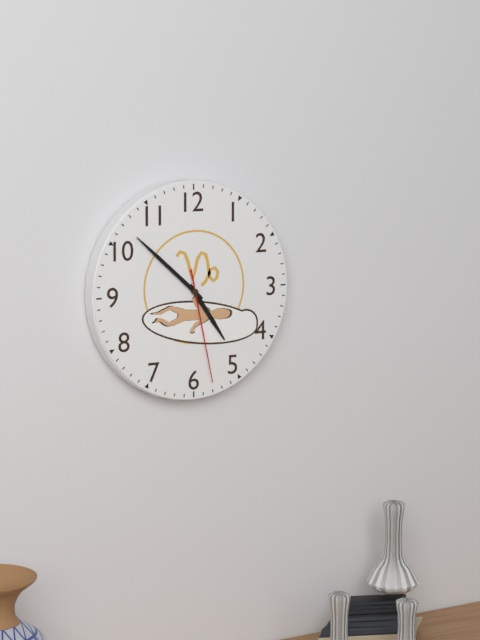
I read 4.52.28
